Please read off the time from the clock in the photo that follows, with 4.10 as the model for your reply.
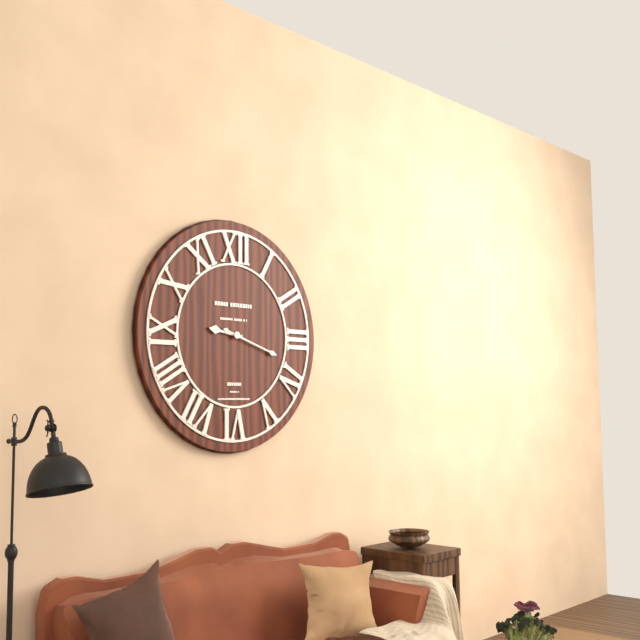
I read 9.18
